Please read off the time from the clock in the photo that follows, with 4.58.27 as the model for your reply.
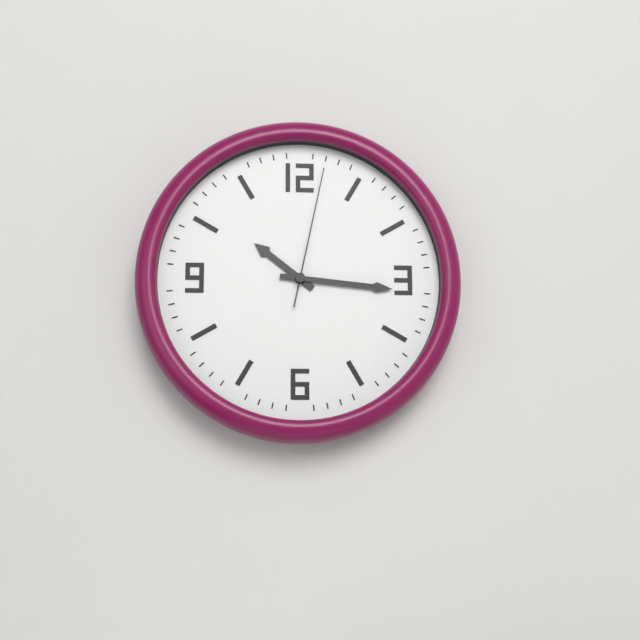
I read 10.16.02
